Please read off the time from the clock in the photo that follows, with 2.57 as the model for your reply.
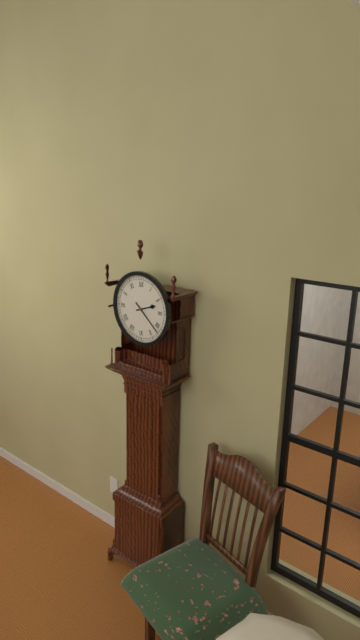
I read 2.22
